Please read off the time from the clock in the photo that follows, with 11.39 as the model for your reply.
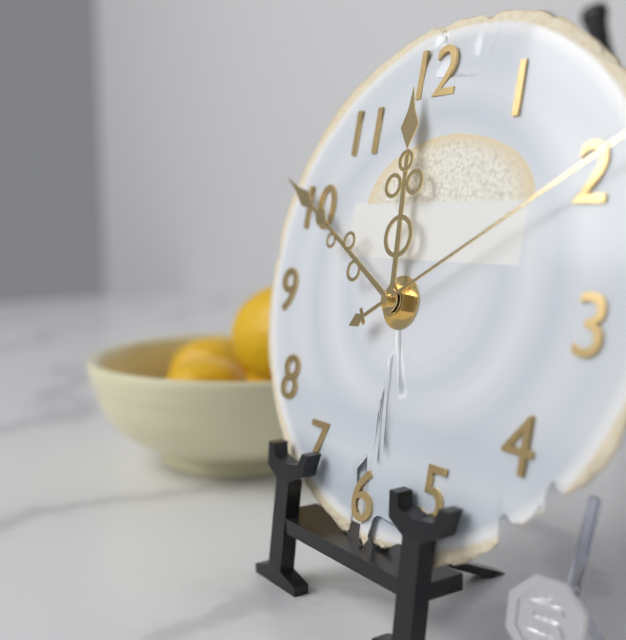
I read 11.50
